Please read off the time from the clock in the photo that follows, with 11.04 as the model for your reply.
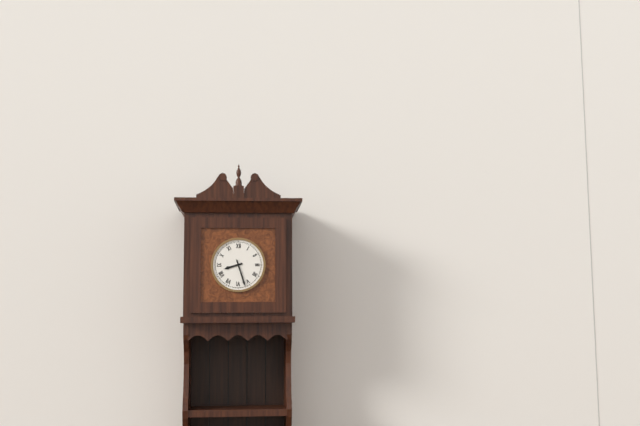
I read 8.27
